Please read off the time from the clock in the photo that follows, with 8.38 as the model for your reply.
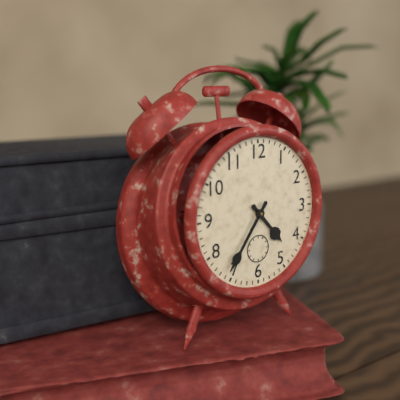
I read 4.36
